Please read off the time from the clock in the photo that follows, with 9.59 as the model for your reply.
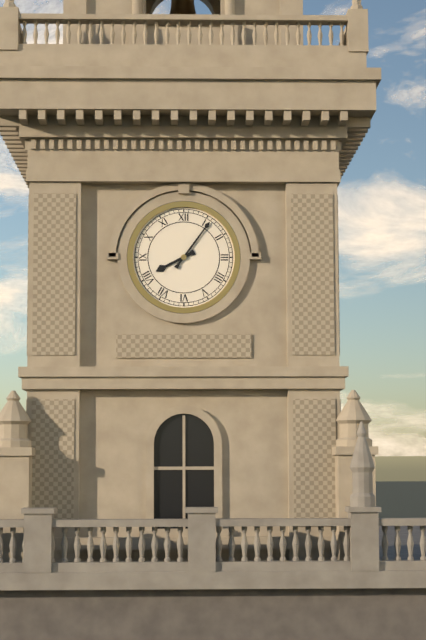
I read 8.06
